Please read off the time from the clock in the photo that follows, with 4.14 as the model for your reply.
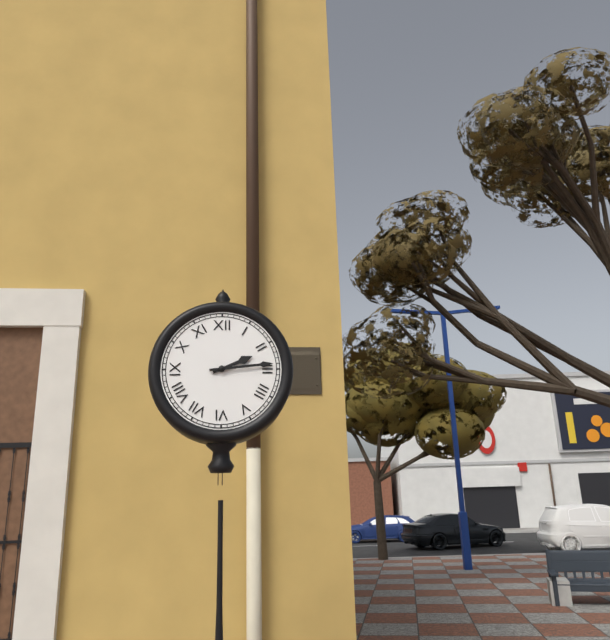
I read 2.14
